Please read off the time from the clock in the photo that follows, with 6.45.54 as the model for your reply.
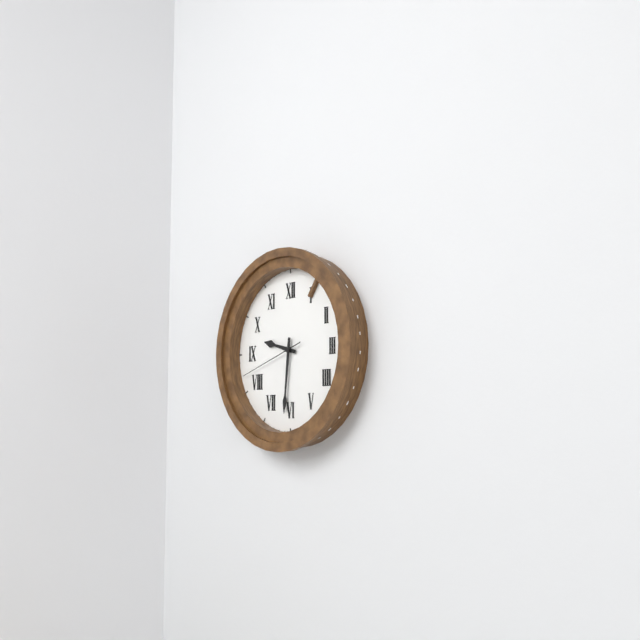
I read 9.31.42
